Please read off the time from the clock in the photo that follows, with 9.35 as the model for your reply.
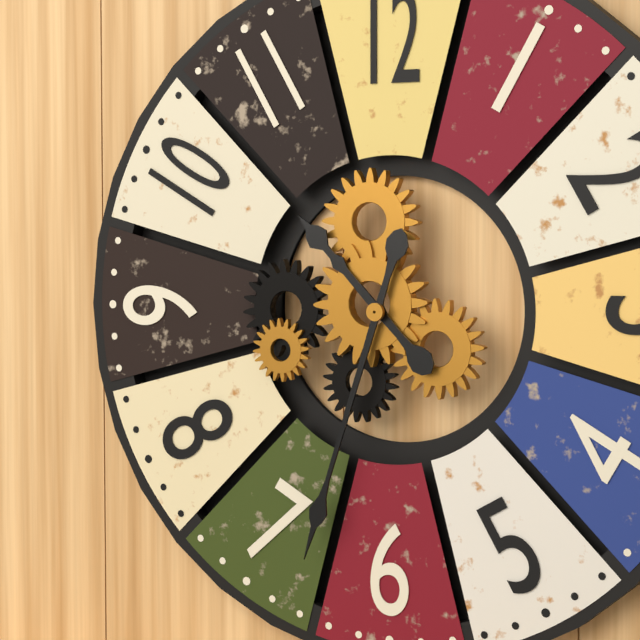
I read 10.33
